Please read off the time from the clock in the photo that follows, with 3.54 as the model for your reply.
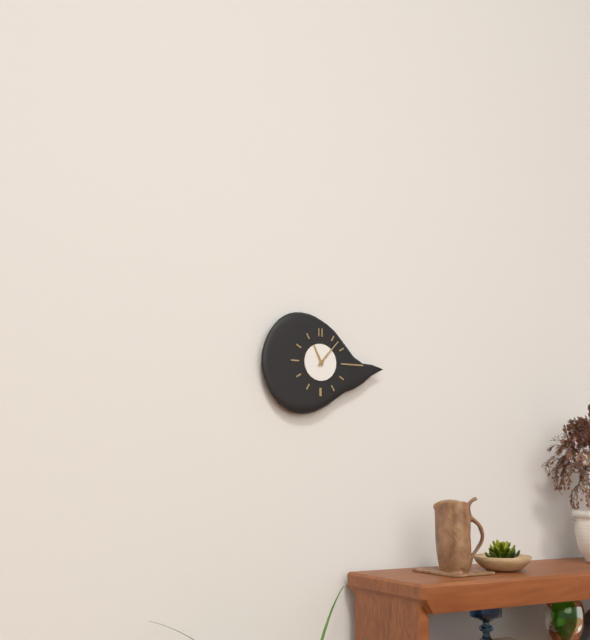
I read 11.07
